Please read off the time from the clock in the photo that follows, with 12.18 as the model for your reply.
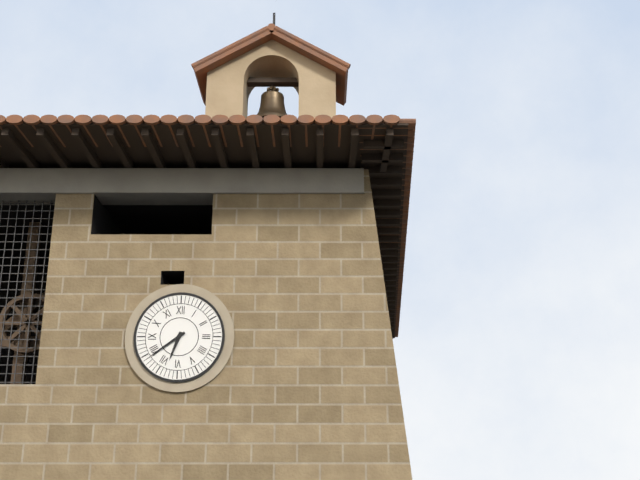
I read 6.39
